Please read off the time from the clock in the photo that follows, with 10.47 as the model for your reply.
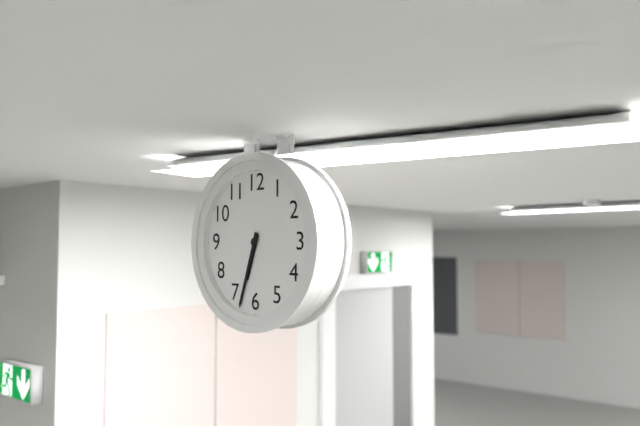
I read 6.33
